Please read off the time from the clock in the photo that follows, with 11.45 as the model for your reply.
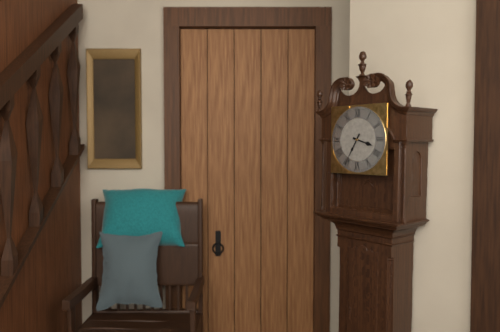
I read 3.35
